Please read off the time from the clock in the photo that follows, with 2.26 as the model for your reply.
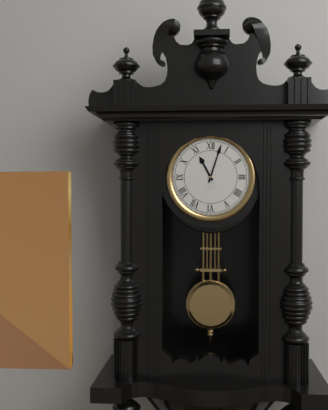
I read 11.03
